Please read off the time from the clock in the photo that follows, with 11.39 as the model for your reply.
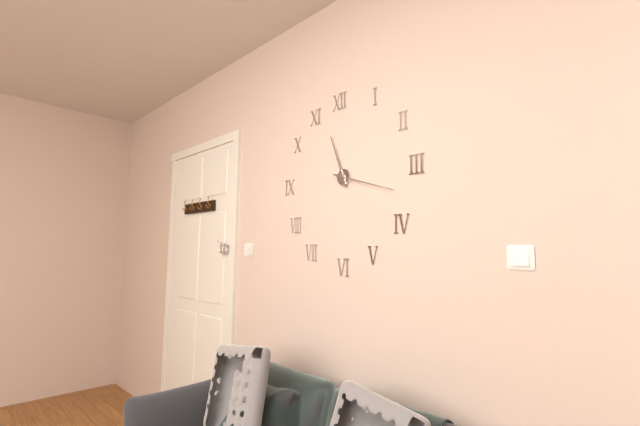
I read 11.18
